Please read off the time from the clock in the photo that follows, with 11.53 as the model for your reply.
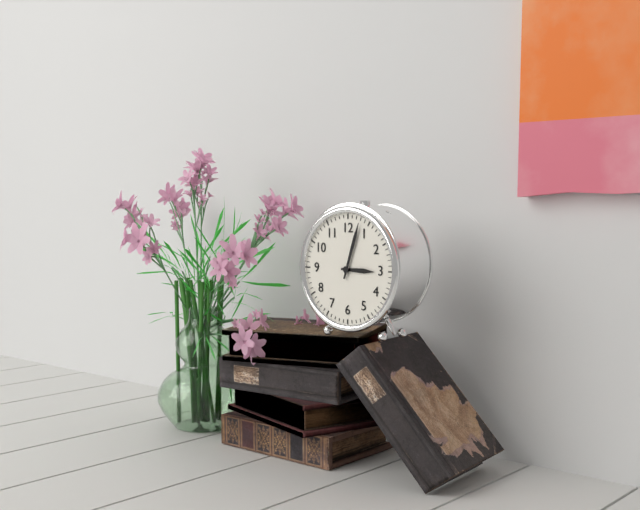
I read 3.03
